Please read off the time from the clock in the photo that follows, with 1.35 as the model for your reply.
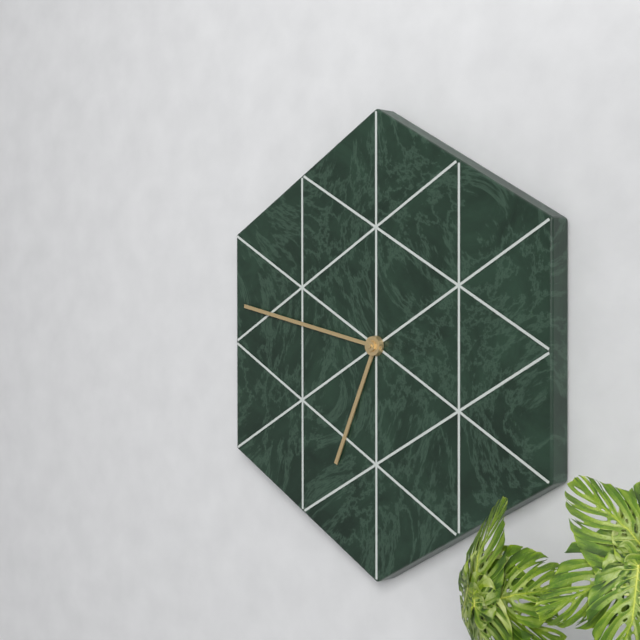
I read 6.47
